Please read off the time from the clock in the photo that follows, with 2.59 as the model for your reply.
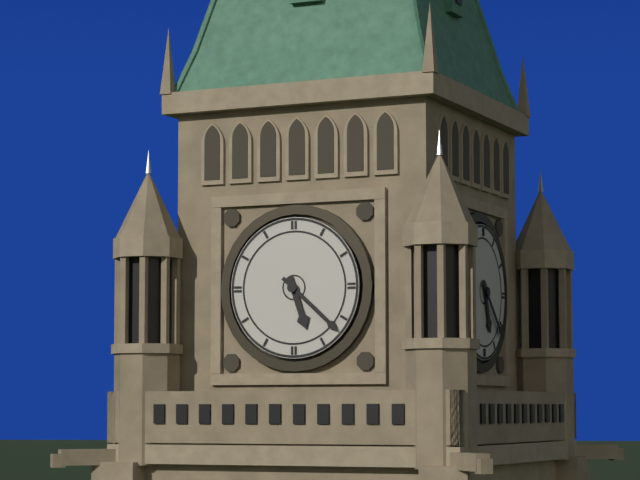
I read 5.22
